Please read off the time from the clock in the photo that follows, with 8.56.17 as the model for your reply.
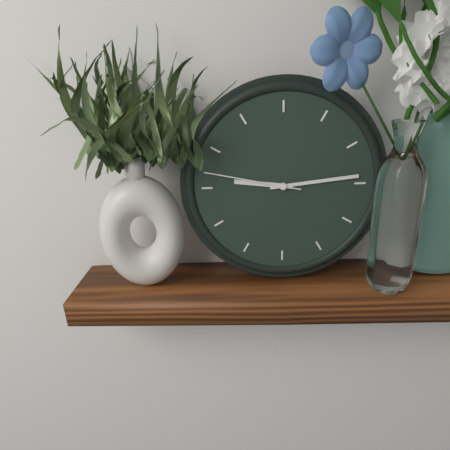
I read 9.14.47
